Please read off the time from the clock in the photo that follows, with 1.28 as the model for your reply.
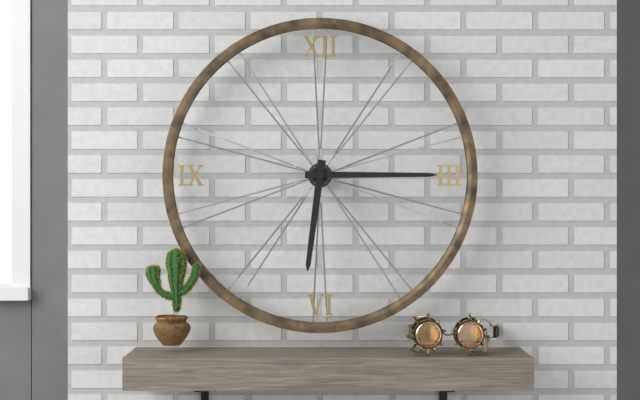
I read 6.15
